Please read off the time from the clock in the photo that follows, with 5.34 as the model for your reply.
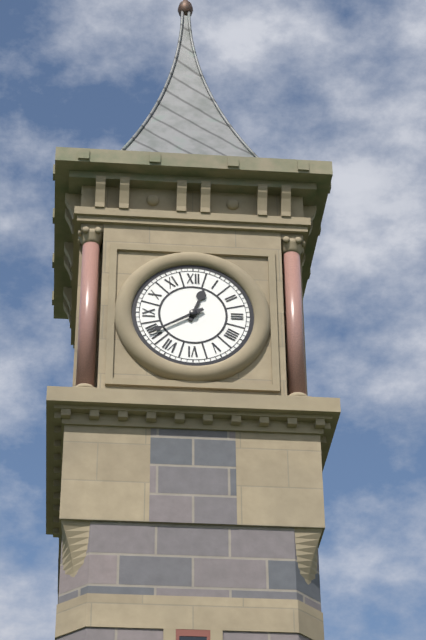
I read 12.40
